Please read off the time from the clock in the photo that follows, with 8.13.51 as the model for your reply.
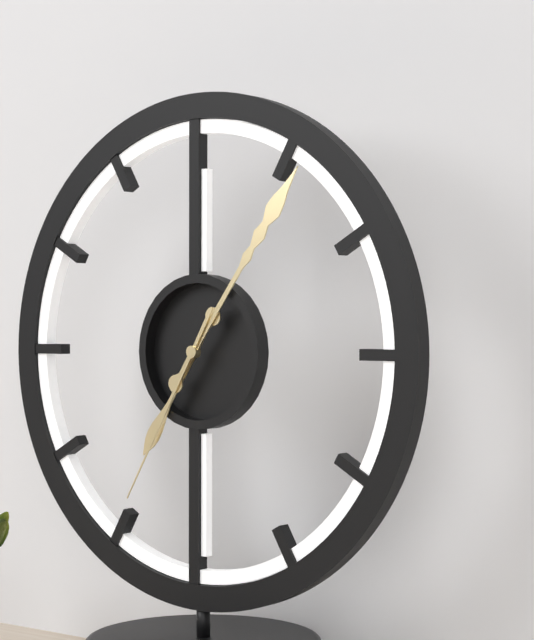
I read 7.06.35
